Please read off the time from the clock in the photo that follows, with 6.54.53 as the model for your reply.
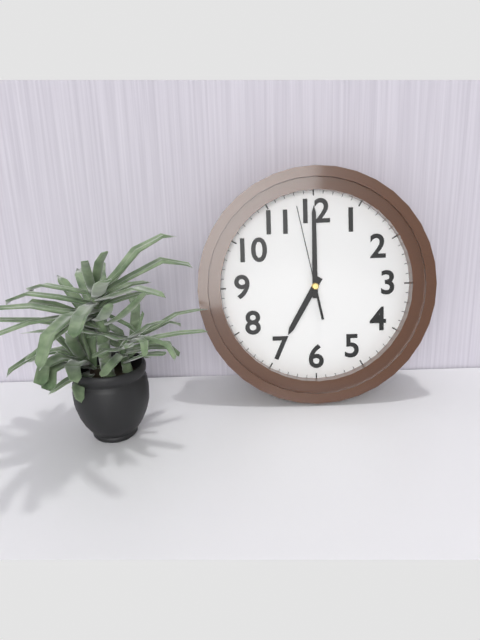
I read 7.00.58
